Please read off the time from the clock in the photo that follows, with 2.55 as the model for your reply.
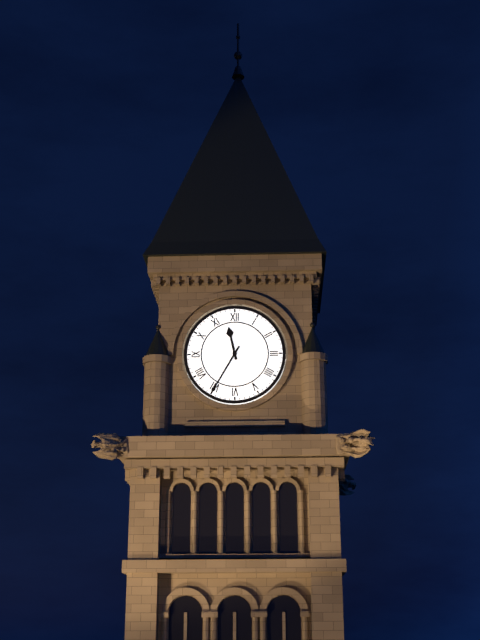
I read 11.35
